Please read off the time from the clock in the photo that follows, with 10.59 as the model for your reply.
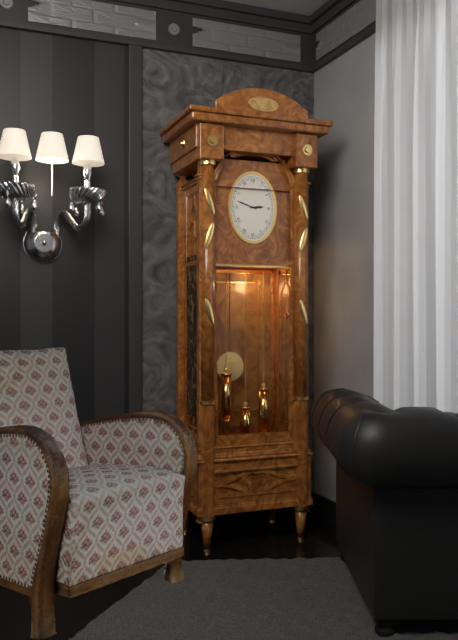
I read 2.48
